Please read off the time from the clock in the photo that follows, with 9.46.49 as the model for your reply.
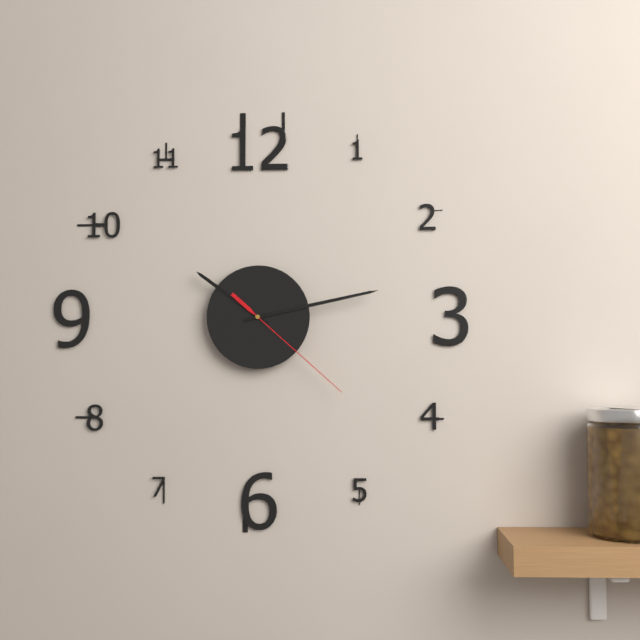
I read 10.13.22
